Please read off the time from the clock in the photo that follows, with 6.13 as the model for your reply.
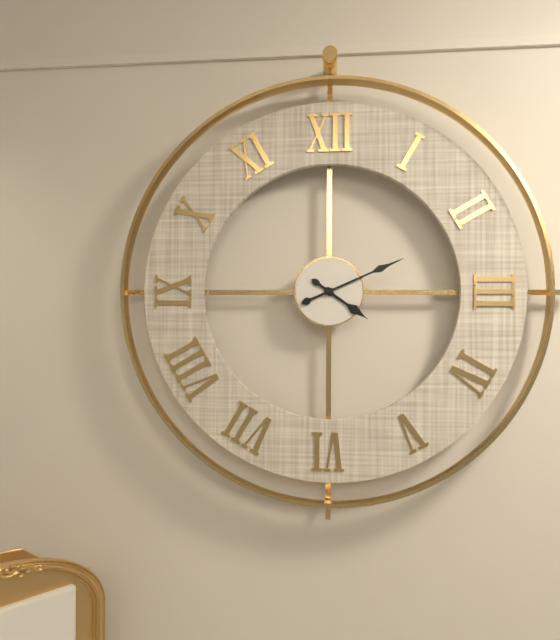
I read 4.11
